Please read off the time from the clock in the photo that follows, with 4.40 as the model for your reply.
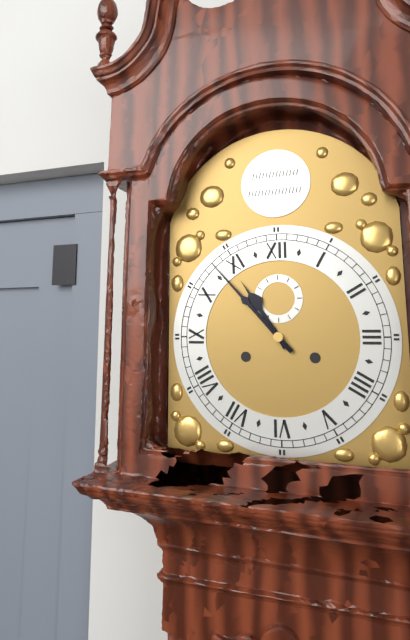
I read 10.53
